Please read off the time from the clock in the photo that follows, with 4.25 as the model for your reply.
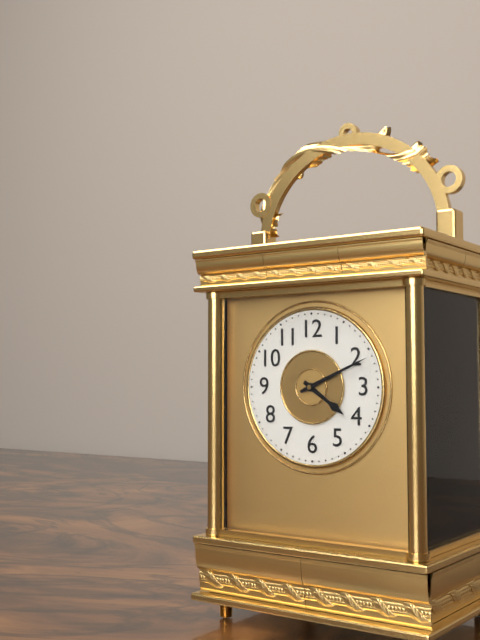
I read 4.11
